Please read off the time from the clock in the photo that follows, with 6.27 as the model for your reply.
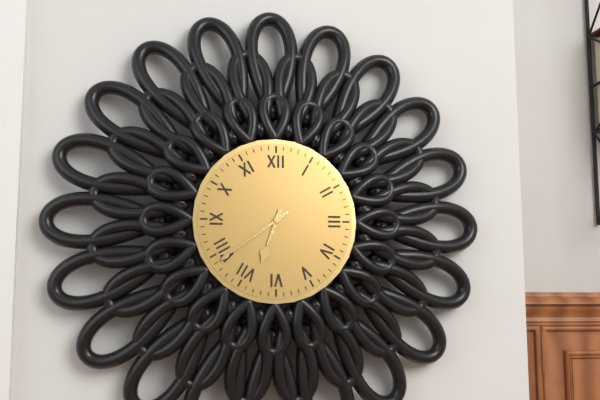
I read 6.39
